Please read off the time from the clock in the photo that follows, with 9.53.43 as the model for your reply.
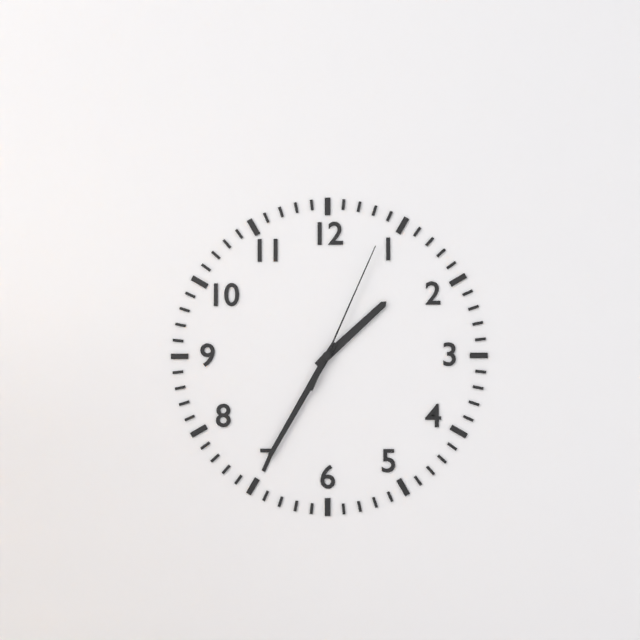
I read 1.35.04
